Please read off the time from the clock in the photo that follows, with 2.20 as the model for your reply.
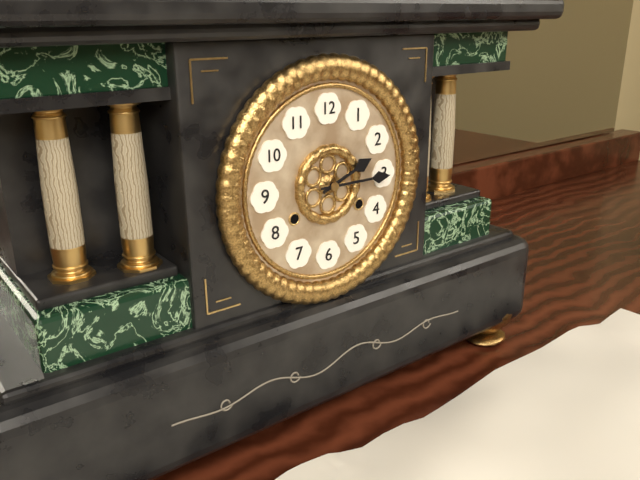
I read 2.15
